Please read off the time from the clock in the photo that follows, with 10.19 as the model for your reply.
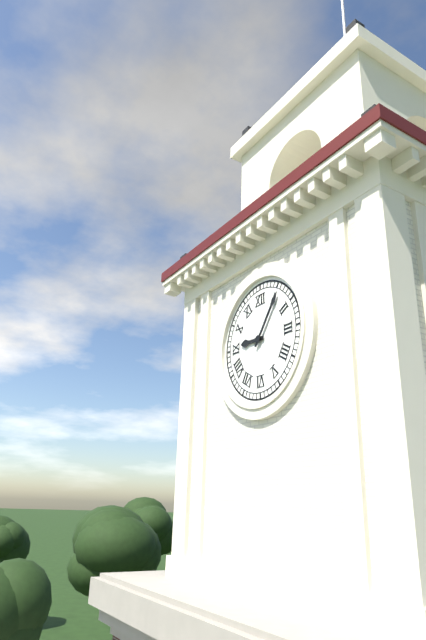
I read 9.06
